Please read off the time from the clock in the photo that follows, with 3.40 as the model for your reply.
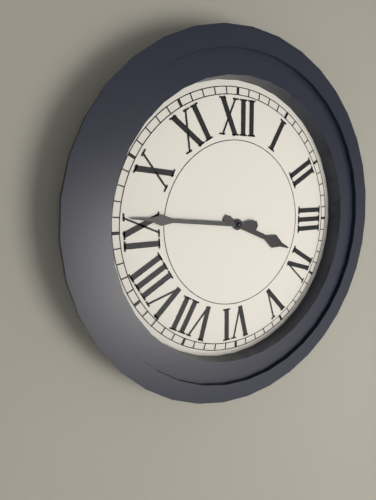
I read 3.46
